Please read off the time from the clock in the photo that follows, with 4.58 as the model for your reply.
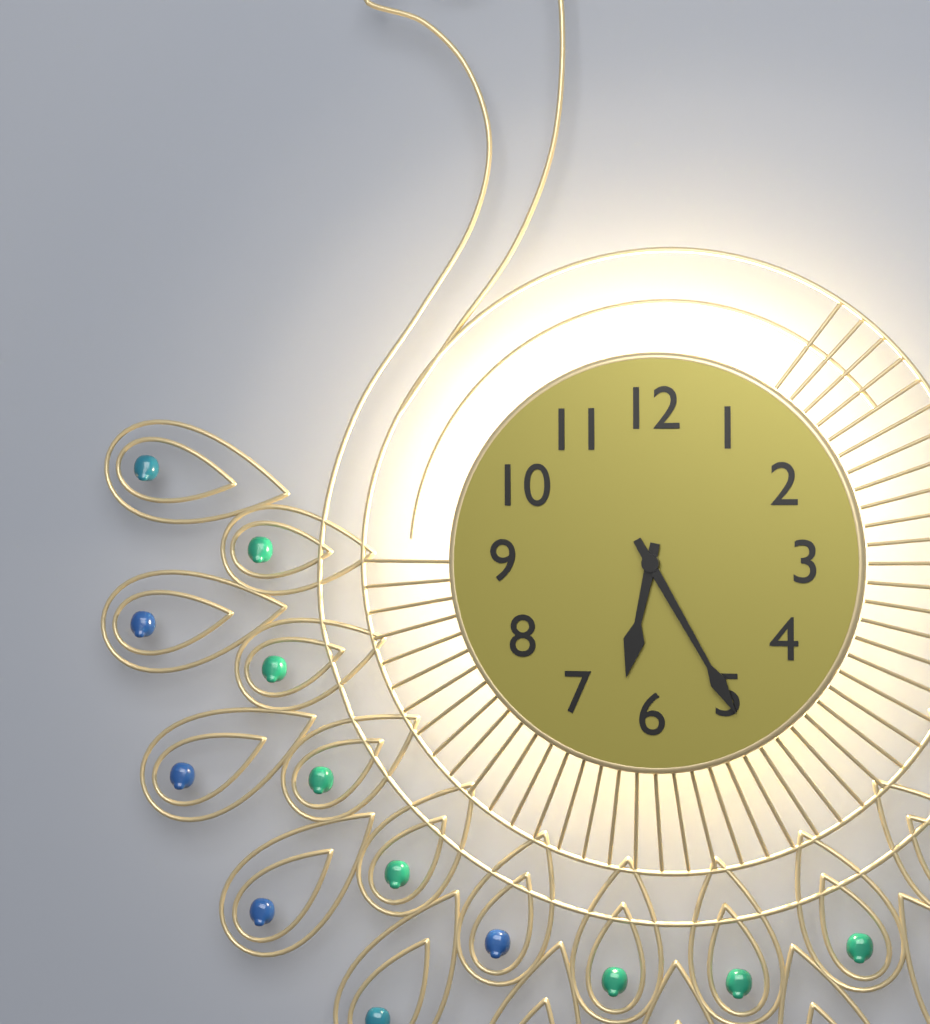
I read 6.25
